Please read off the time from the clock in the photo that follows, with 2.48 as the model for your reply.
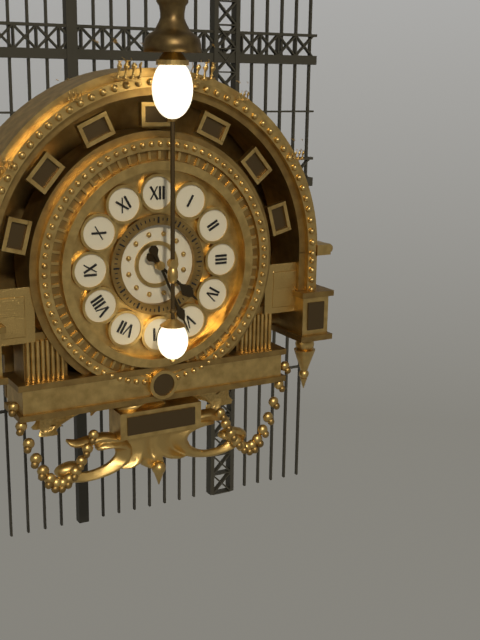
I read 4.26
